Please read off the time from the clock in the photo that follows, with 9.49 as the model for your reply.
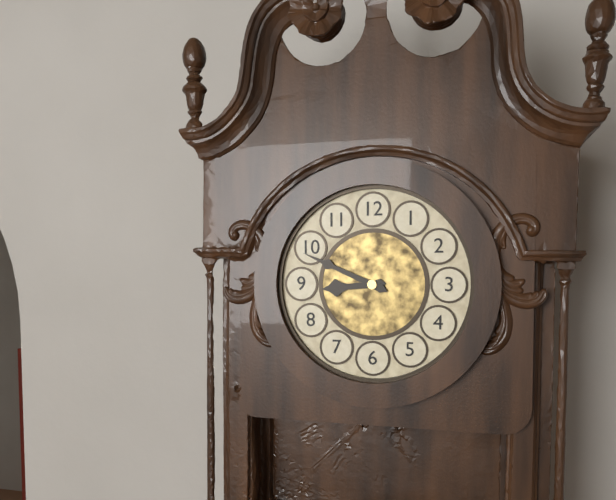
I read 8.49
